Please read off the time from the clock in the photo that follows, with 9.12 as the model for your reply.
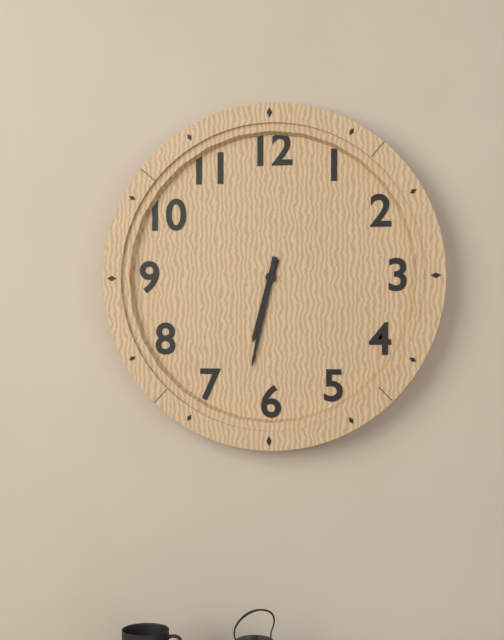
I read 6.32
